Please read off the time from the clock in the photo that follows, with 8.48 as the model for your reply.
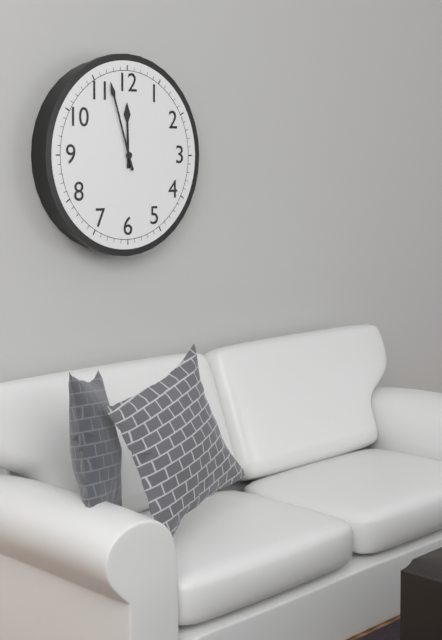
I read 11.57
